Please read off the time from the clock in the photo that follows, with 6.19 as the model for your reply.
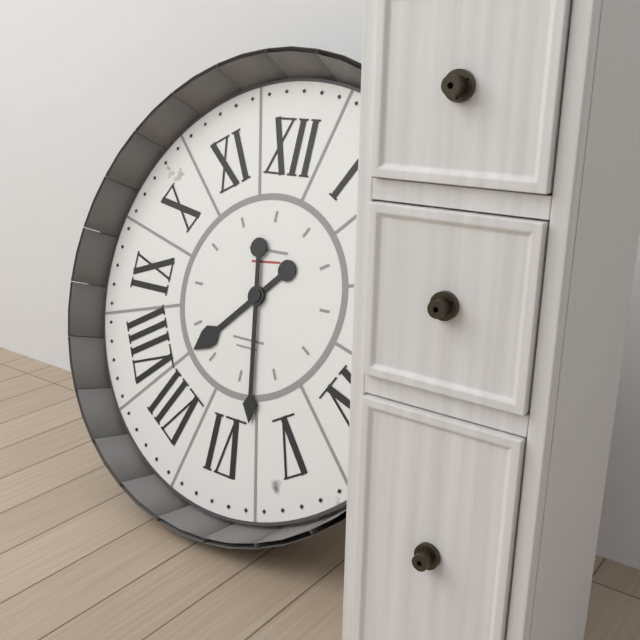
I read 7.28
